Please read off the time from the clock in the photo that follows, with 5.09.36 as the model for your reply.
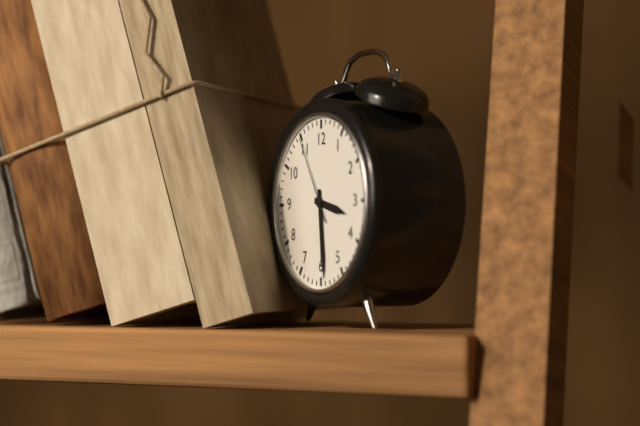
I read 3.29.55
